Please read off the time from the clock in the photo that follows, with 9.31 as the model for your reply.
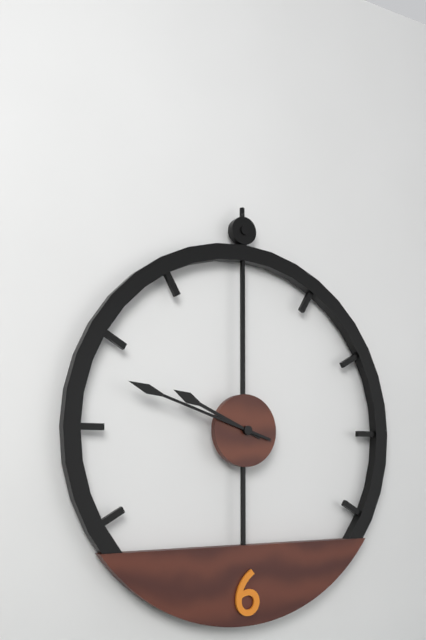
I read 9.48
